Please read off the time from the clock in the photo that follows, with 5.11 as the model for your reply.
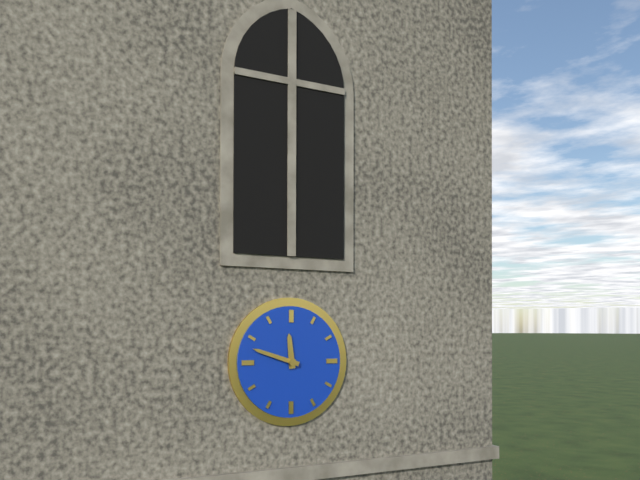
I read 11.48
